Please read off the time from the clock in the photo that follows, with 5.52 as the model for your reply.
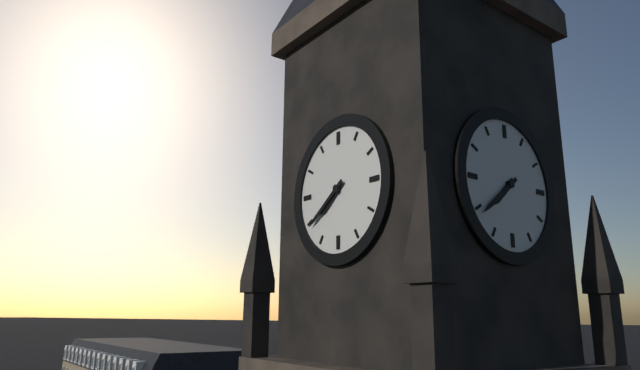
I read 7.39
